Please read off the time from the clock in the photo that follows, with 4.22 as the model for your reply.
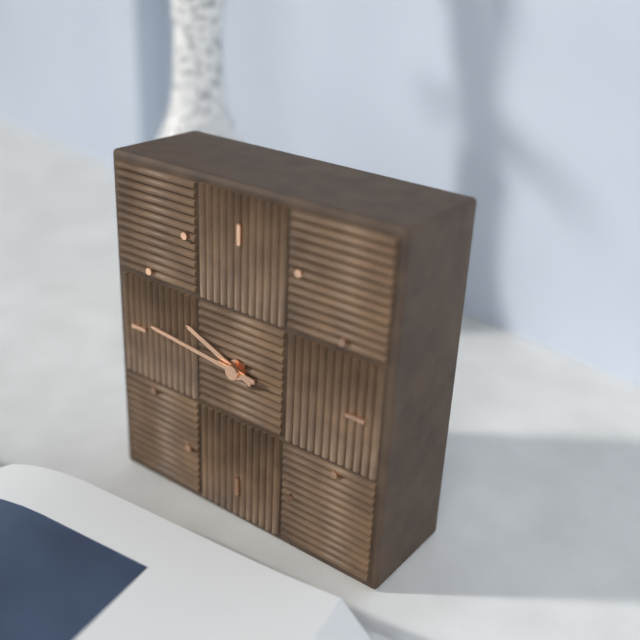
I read 9.46
